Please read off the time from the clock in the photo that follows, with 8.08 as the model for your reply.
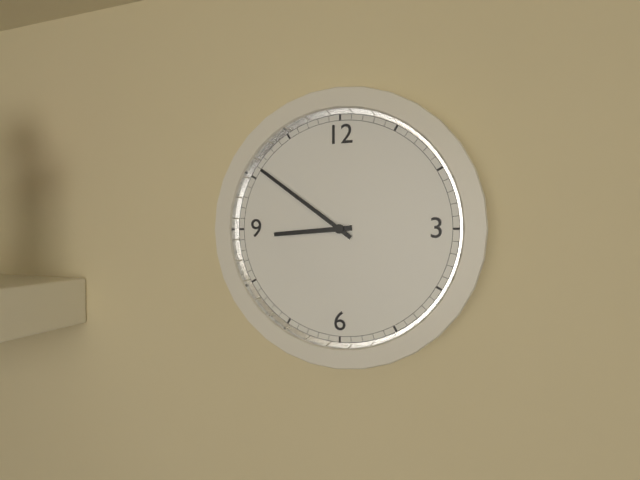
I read 8.51
